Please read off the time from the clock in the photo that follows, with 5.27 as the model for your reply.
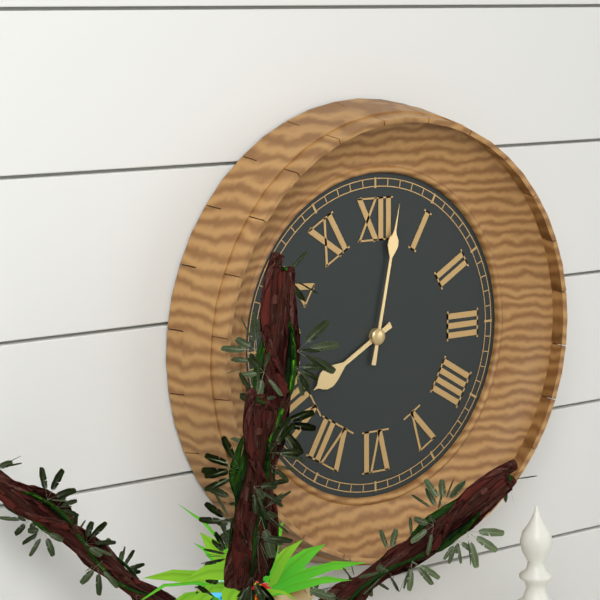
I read 8.02
